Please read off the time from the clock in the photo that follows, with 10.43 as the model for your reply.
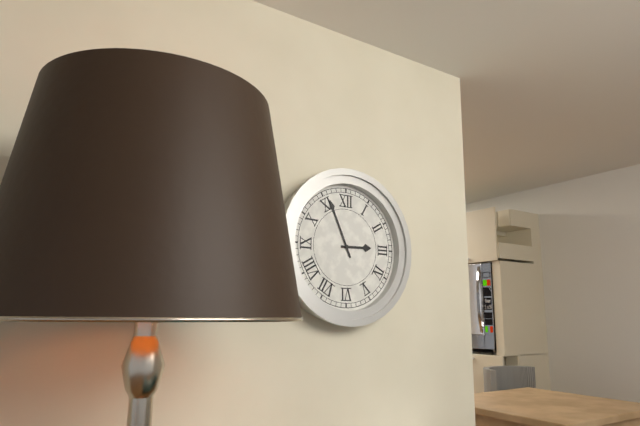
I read 2.56
